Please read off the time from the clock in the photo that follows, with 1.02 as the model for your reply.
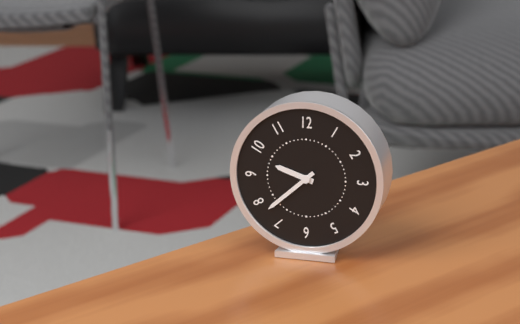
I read 9.38
